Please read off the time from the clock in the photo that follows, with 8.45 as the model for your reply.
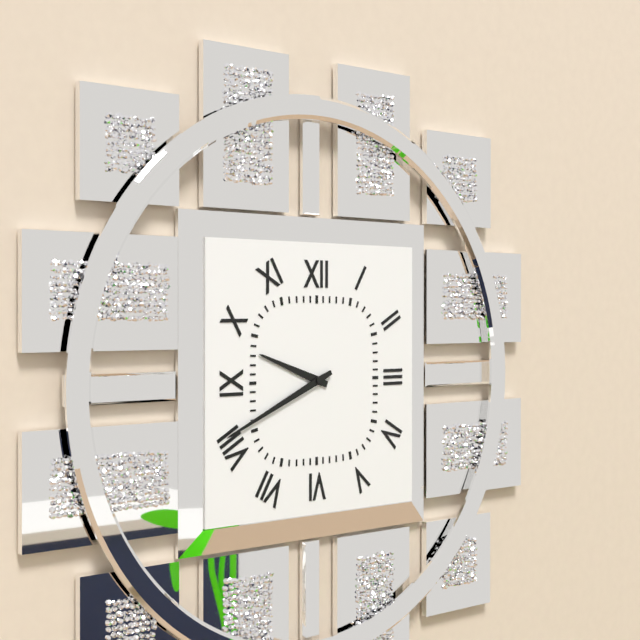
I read 9.41
